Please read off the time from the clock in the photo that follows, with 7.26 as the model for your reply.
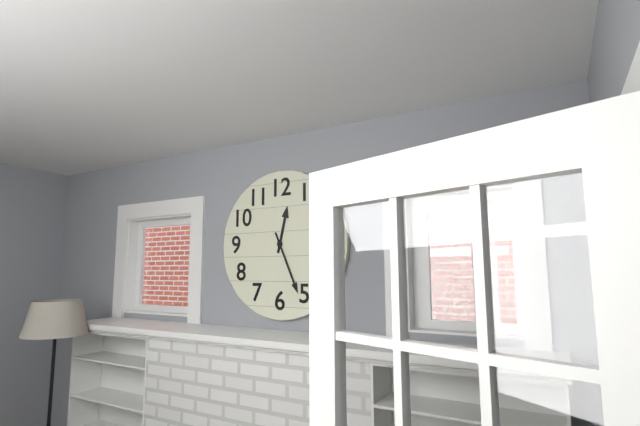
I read 12.26
